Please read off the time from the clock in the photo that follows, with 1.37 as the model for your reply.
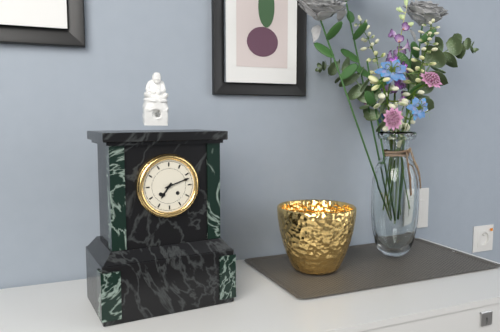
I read 7.12
